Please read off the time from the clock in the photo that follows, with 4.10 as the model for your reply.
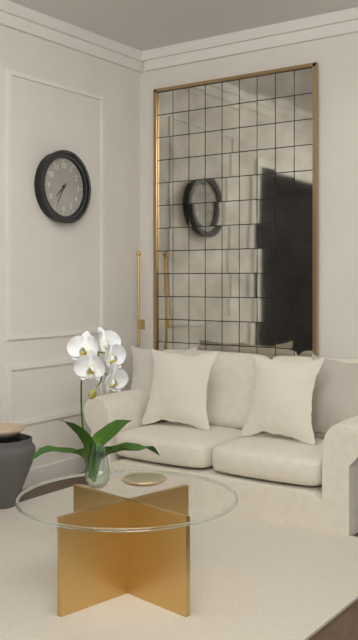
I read 7.35
